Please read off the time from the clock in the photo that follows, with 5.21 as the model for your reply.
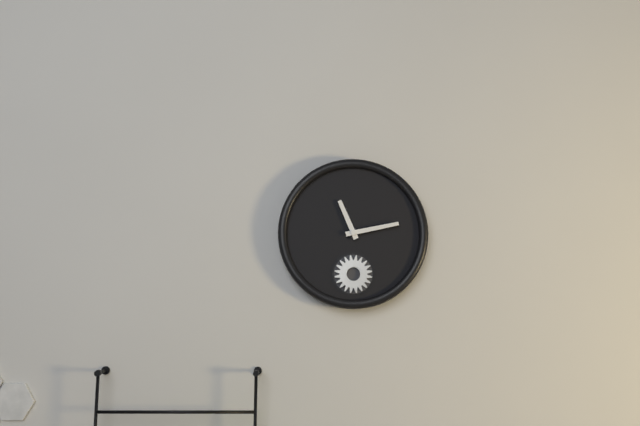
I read 11.13
